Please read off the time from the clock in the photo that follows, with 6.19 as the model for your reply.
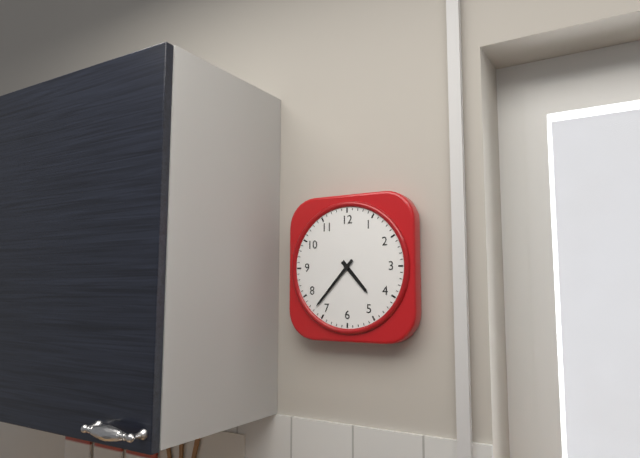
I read 4.37
